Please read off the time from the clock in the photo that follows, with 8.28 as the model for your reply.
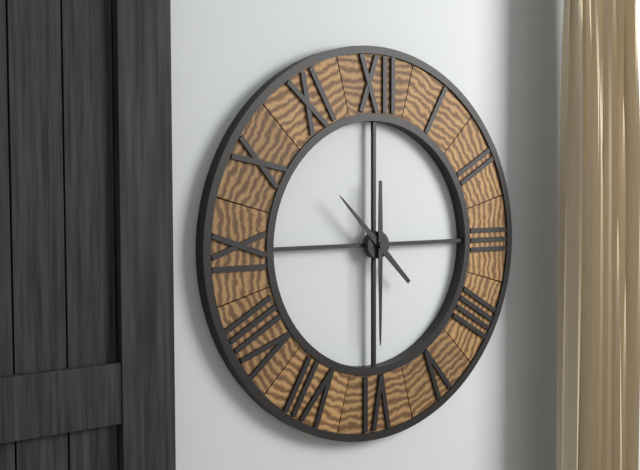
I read 10.30
